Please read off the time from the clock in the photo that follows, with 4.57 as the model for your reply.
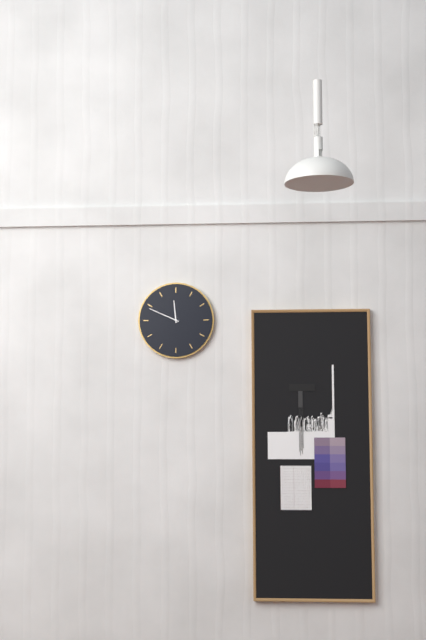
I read 11.49
